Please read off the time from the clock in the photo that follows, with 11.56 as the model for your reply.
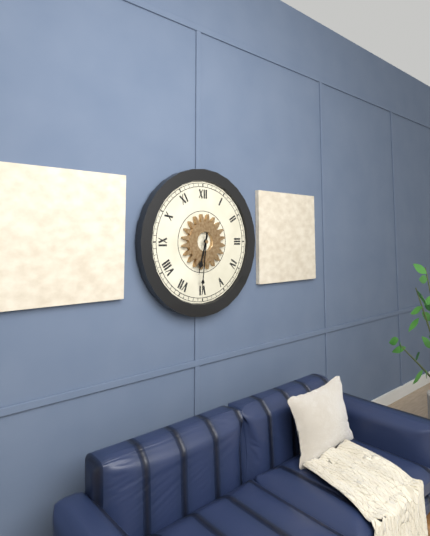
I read 6.31
